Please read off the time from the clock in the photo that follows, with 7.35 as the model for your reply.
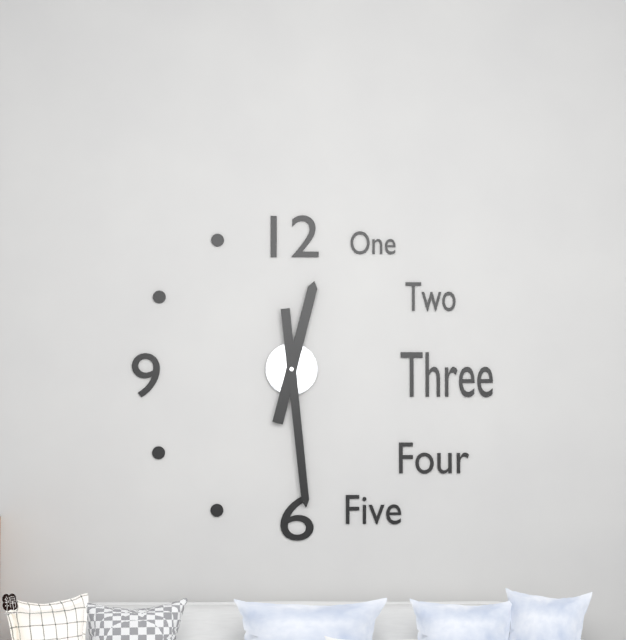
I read 12.29
